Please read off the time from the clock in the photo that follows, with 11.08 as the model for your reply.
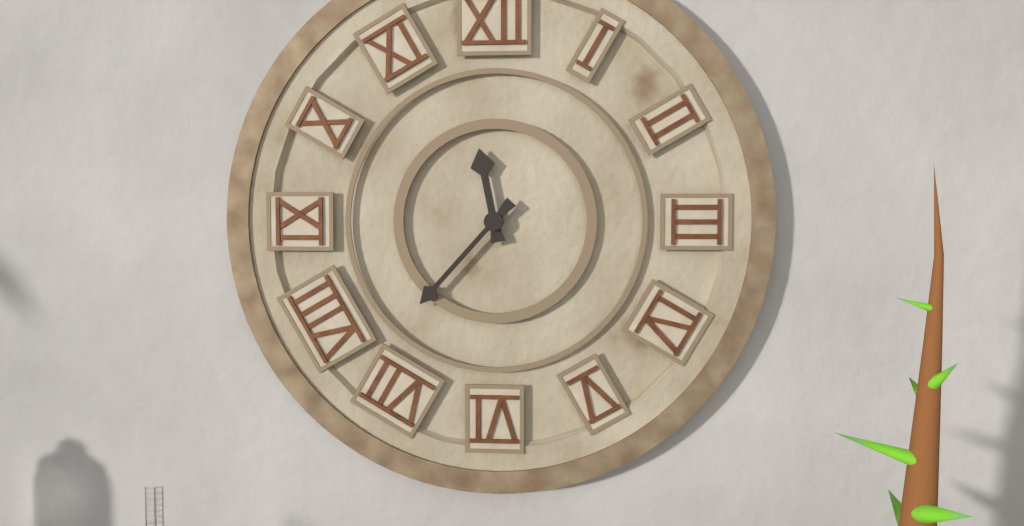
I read 11.37
